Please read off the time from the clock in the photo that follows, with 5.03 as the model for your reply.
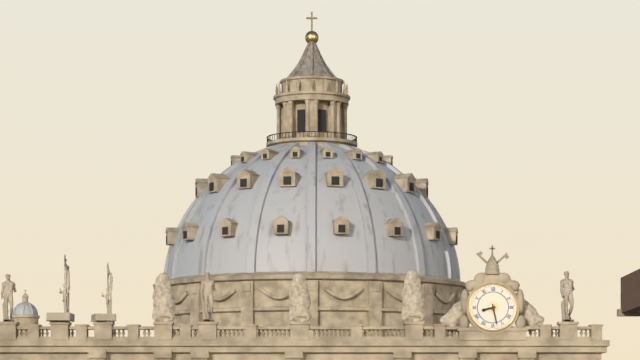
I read 8.28
